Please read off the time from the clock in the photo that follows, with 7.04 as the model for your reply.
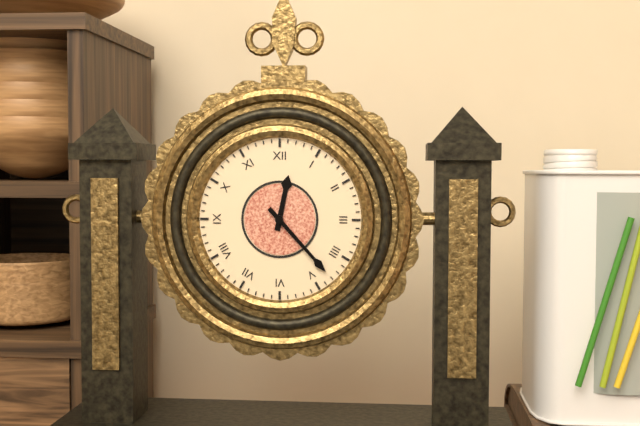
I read 12.23
